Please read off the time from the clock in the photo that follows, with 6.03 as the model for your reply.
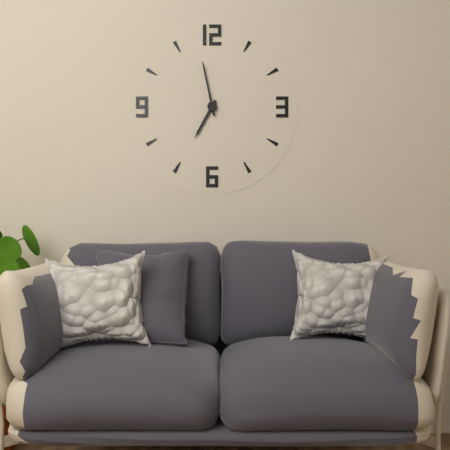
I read 6.58
